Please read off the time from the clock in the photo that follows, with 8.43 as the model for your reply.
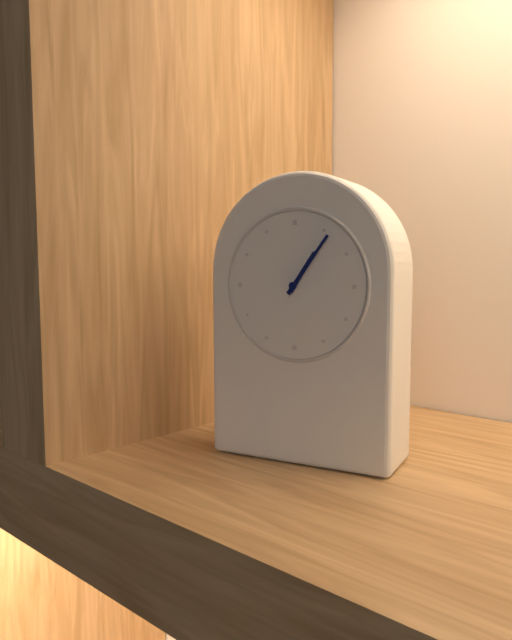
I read 1.06
